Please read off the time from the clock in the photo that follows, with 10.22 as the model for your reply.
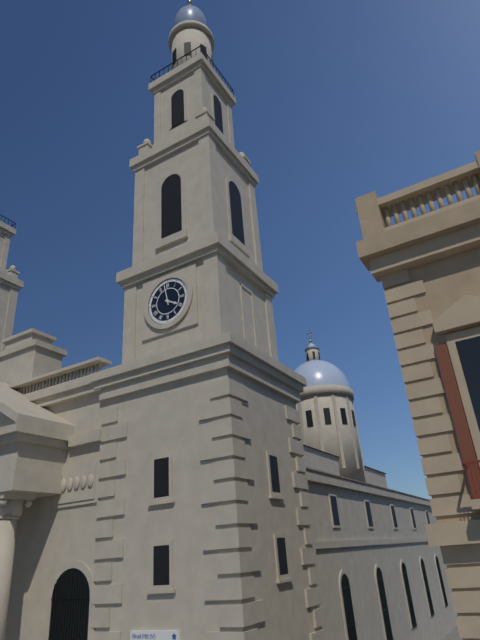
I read 3.58
